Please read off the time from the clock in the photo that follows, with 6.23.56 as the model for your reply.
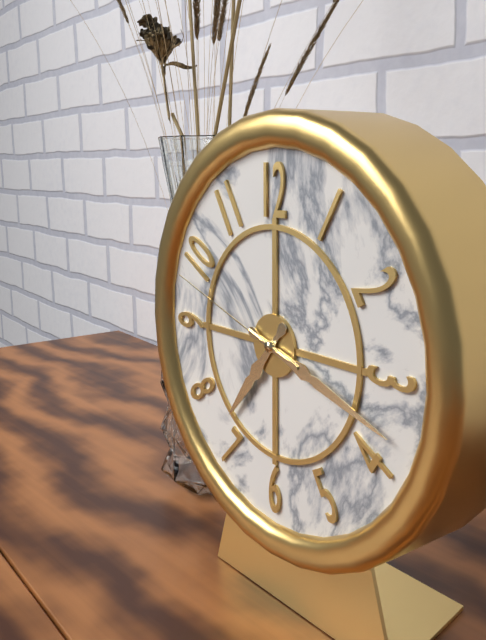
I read 7.18.48
